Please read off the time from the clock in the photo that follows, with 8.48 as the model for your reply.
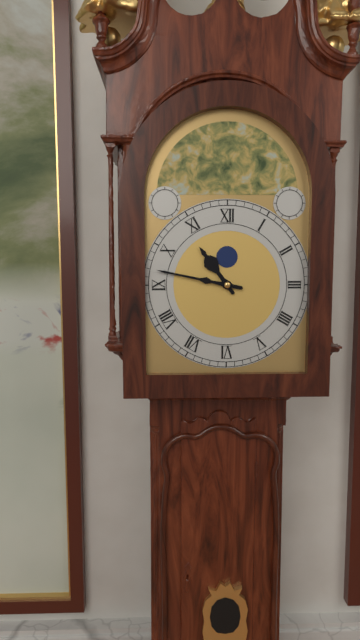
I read 10.47
